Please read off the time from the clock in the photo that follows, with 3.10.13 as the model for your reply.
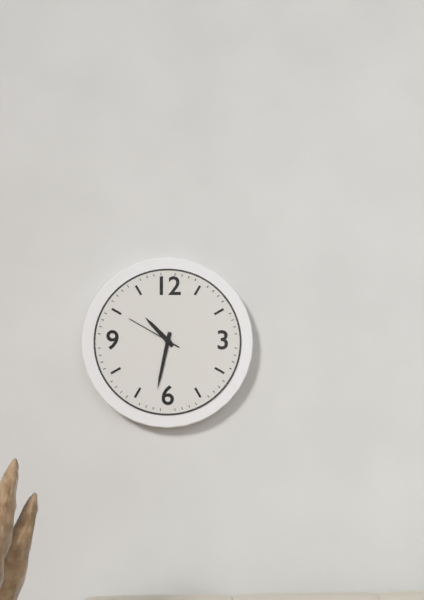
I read 10.32.50
